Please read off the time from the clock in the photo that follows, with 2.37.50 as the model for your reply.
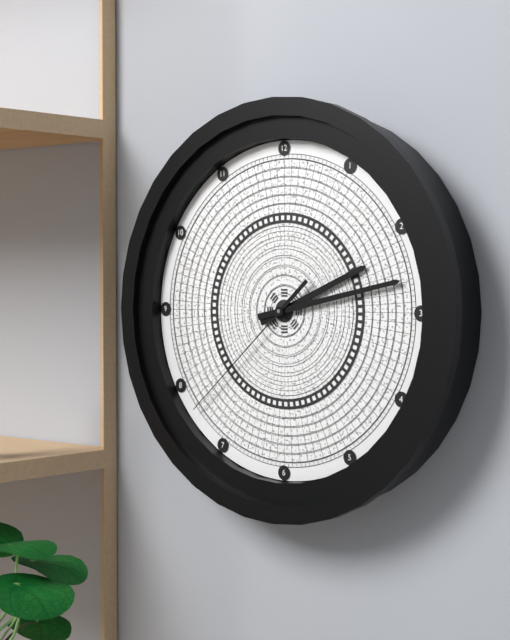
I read 2.13.38
